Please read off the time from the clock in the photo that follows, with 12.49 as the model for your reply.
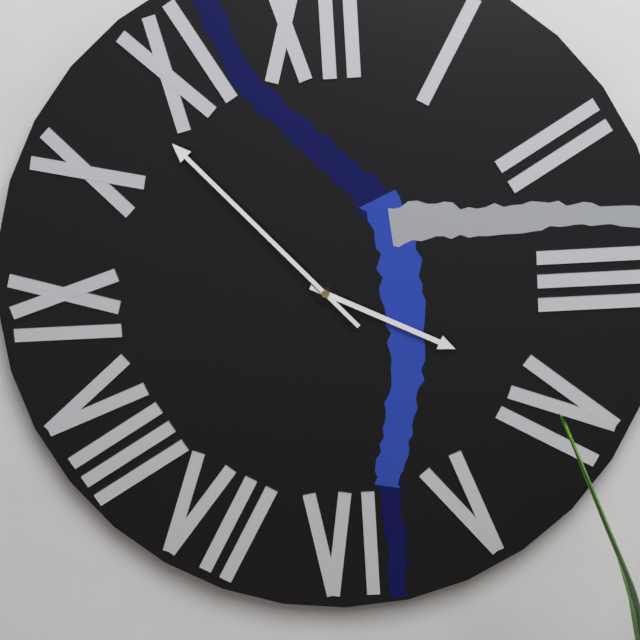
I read 3.53
